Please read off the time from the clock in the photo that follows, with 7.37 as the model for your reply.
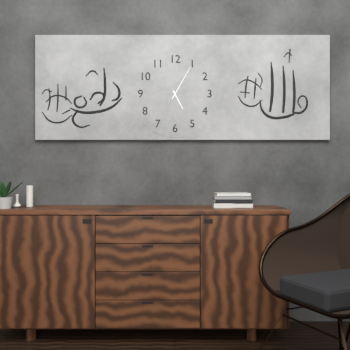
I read 5.05
